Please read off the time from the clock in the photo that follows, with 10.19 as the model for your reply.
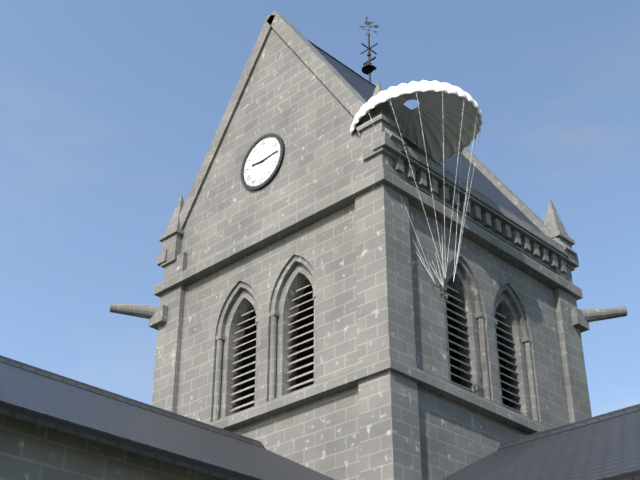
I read 9.14
